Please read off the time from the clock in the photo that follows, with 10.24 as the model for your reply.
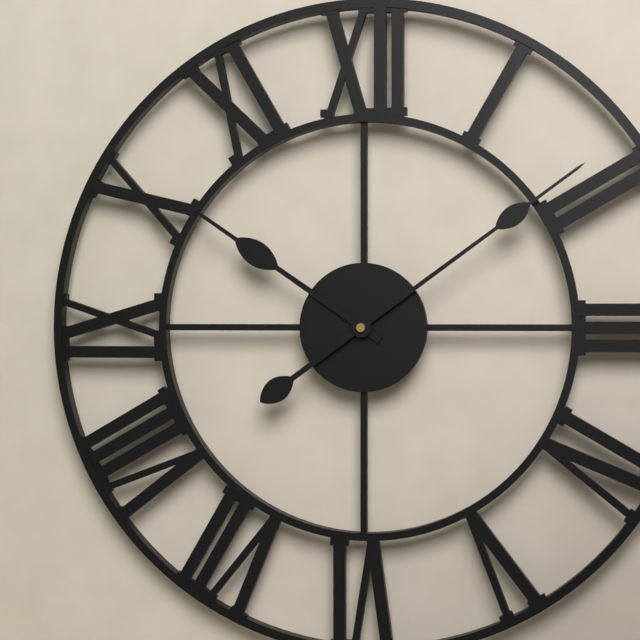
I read 10.09
